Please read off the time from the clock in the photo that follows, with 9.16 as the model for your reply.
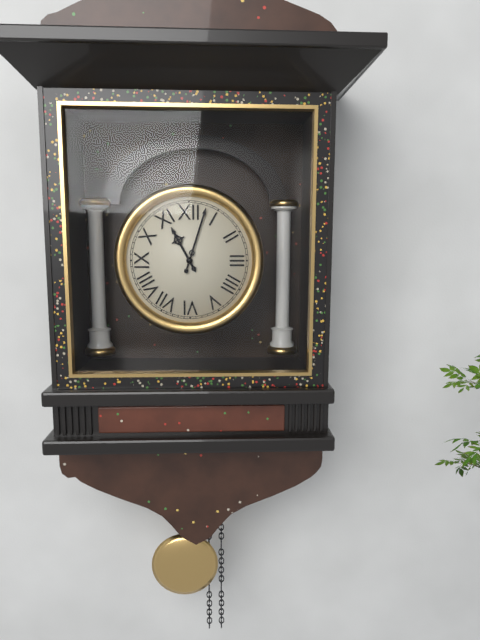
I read 11.03
